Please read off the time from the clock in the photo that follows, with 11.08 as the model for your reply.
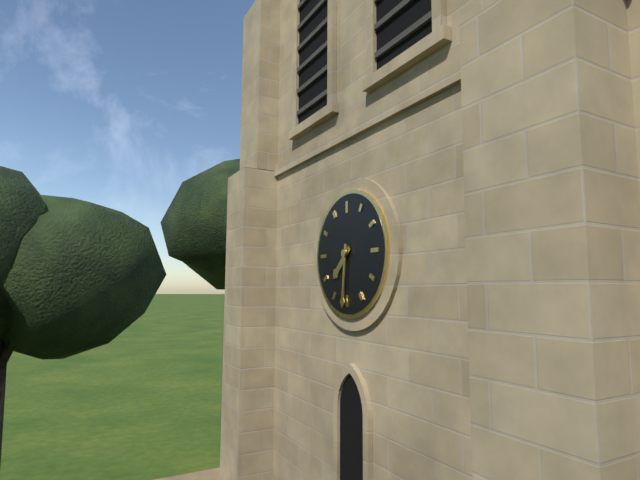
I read 7.31
